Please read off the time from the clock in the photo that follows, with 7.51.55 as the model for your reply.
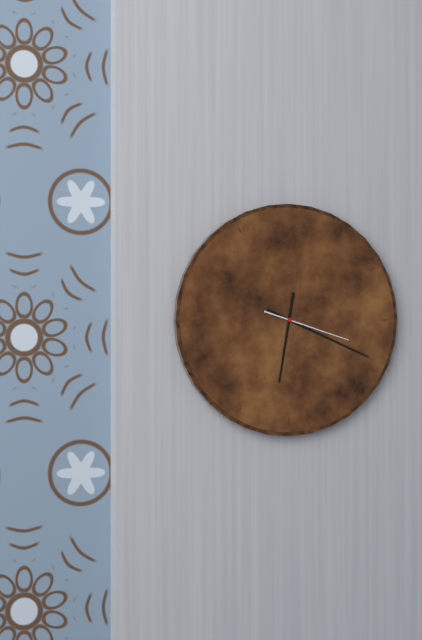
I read 6.19.18
